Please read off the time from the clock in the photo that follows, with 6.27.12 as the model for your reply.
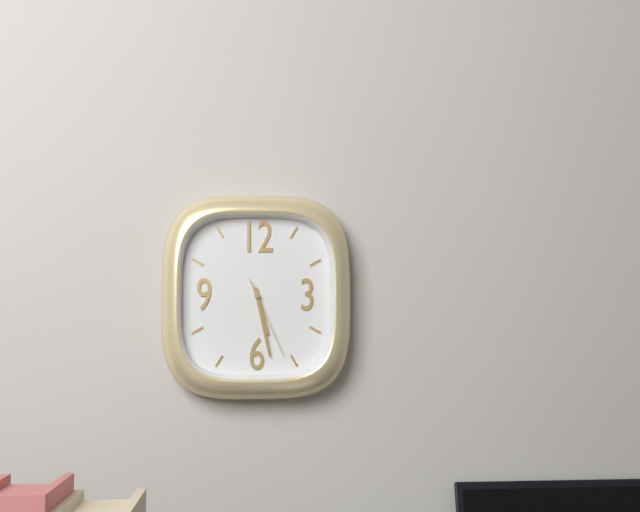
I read 5.28.26
